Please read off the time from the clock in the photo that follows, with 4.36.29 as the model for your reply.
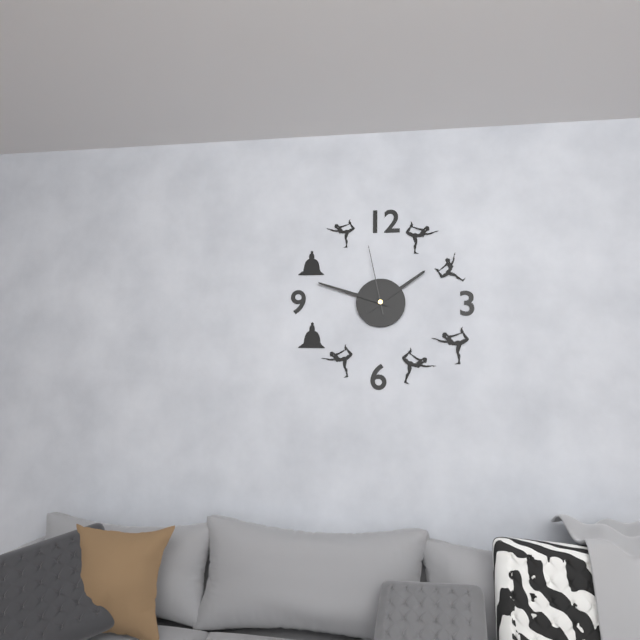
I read 1.48.58
